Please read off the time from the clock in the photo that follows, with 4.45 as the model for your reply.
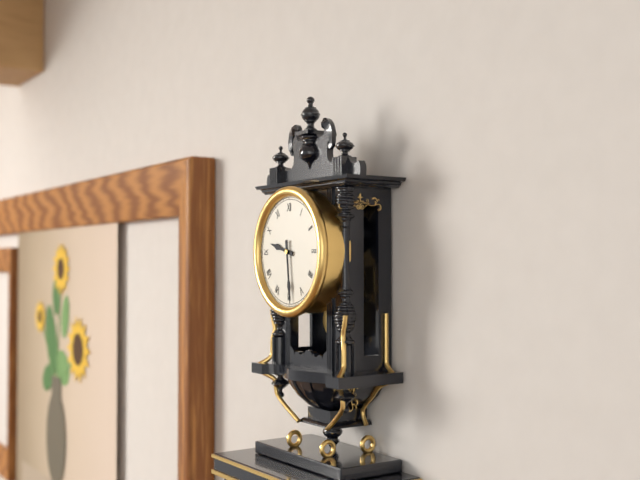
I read 9.29
